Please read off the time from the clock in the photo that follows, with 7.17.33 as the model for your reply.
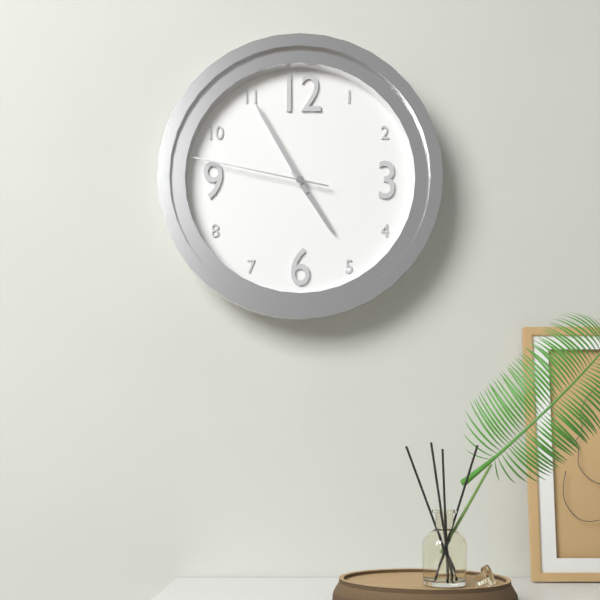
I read 4.55.47
